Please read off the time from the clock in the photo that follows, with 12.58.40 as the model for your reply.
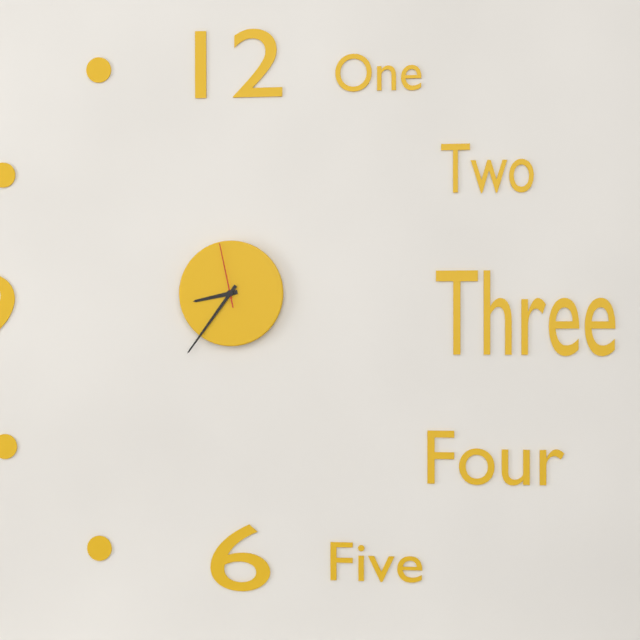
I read 8.36.58
